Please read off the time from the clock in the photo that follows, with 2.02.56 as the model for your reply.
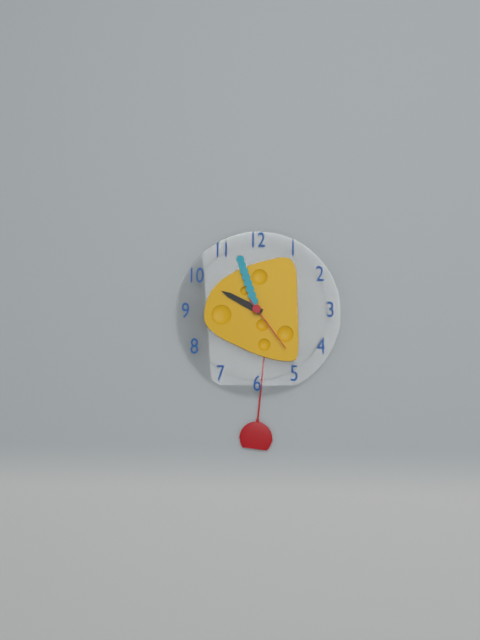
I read 9.57.24
